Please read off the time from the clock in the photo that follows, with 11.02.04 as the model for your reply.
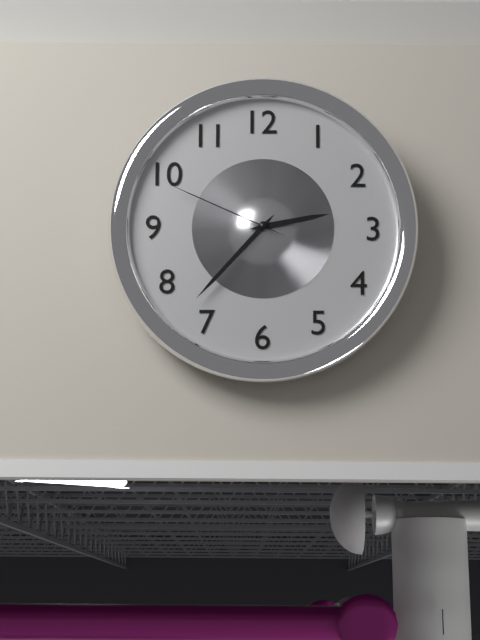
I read 2.37.49
